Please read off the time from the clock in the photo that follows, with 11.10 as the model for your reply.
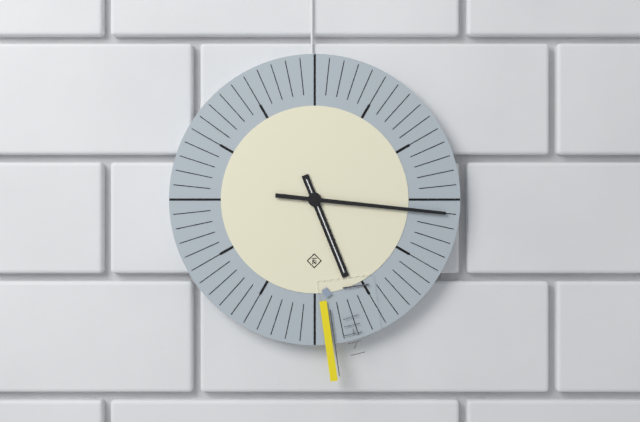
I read 5.16
